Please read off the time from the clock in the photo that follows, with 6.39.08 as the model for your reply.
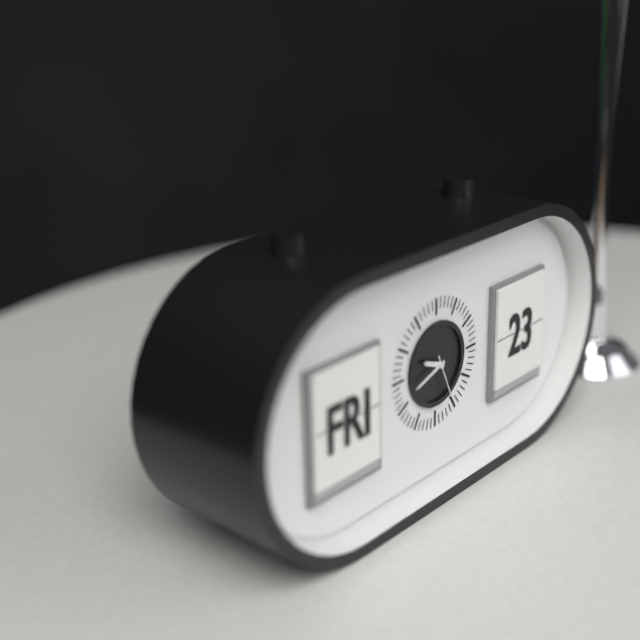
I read 9.42.26
